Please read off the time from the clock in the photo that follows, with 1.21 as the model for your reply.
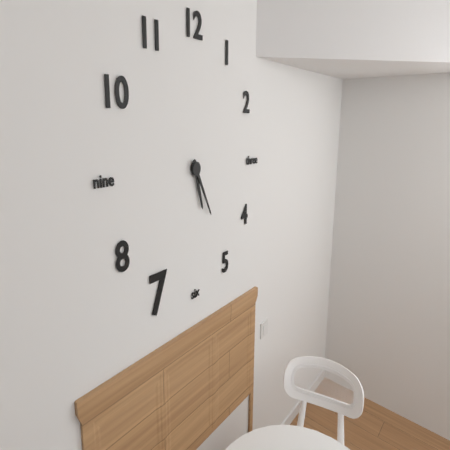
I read 5.25
